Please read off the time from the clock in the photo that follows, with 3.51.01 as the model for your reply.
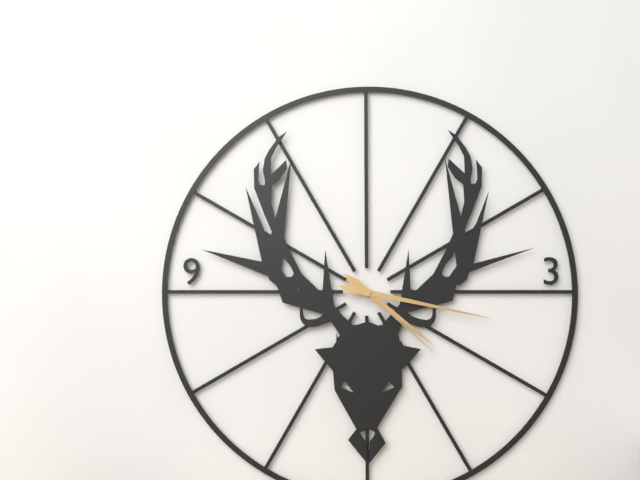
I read 4.17.22
